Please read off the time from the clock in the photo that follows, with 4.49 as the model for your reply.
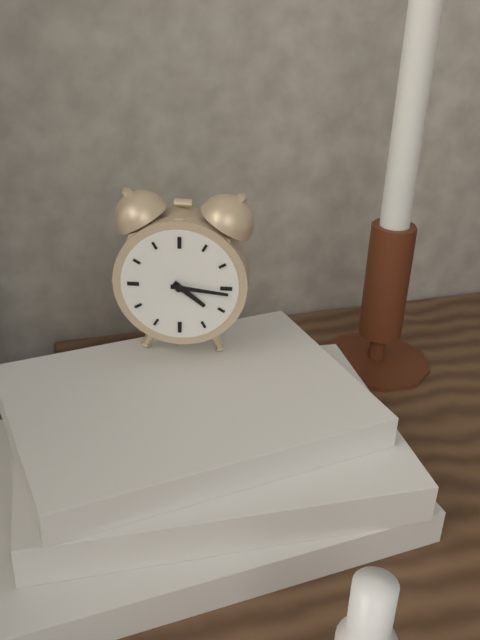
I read 4.16
